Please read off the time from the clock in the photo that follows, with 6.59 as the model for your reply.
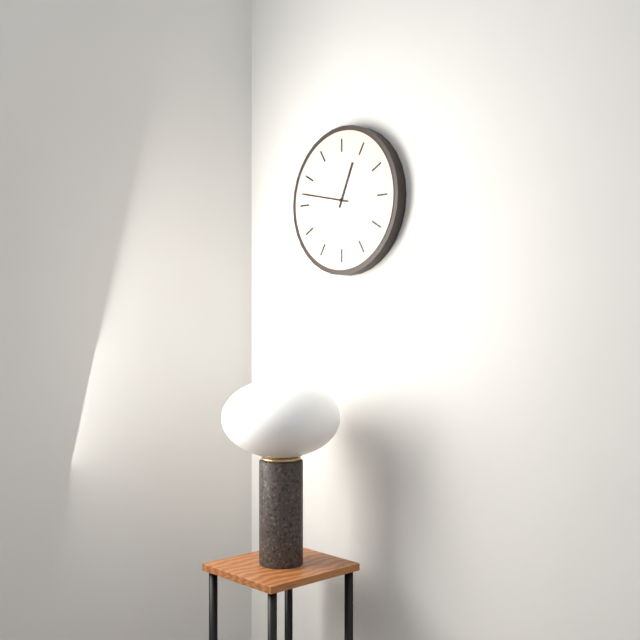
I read 12.47
